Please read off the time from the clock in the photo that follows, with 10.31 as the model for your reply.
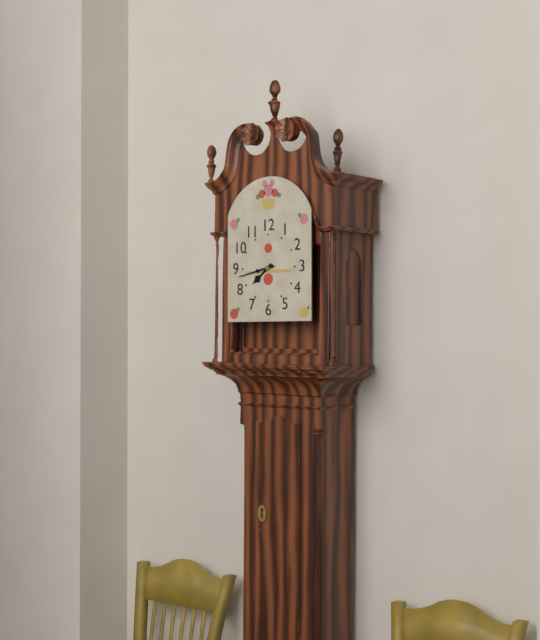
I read 7.43
